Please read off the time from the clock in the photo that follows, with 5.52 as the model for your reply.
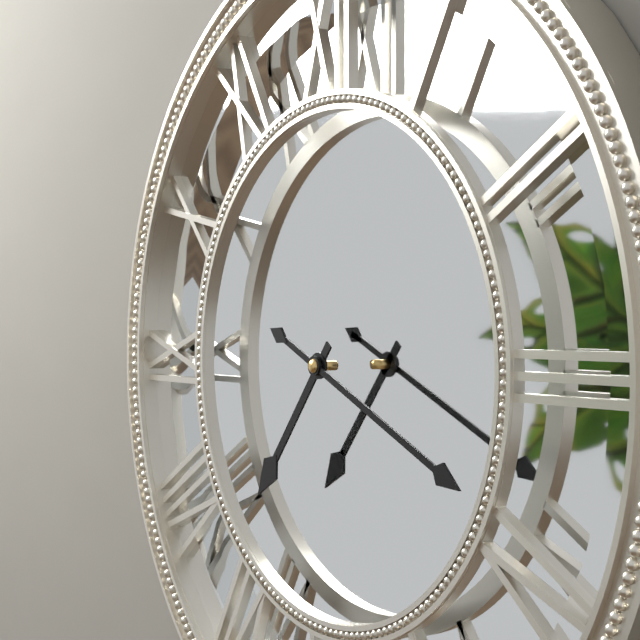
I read 7.19
